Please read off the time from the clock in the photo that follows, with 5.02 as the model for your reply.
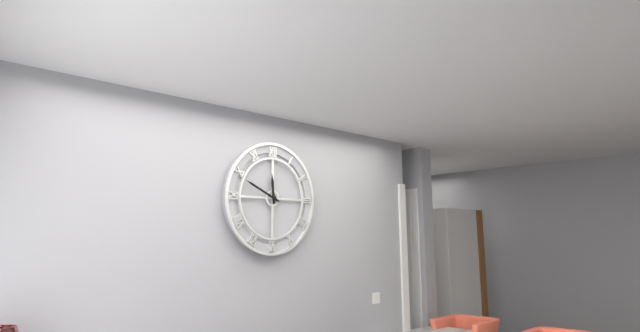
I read 11.49
